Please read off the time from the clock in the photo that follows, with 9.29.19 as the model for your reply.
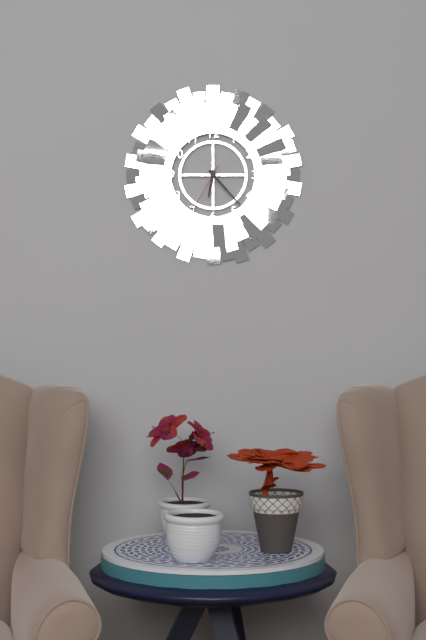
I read 6.23.35
